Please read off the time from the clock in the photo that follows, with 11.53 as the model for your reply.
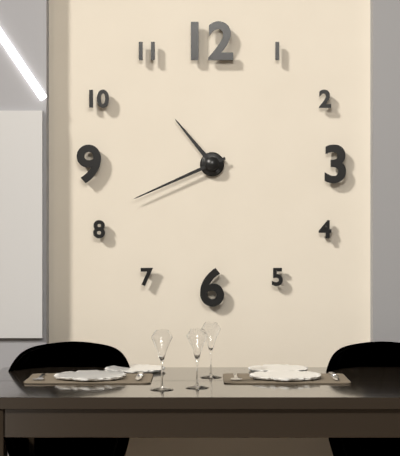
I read 10.41
